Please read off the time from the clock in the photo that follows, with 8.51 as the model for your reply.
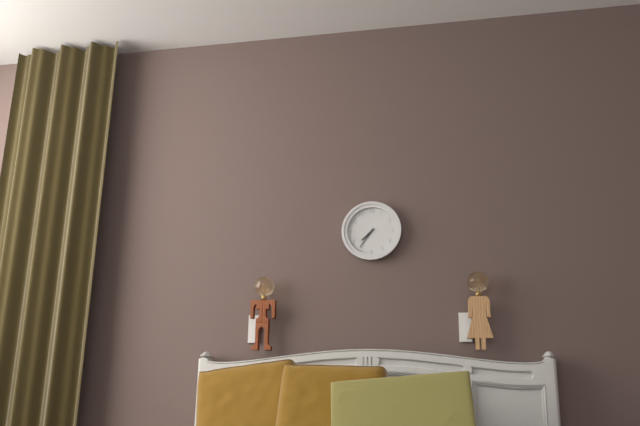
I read 7.36
